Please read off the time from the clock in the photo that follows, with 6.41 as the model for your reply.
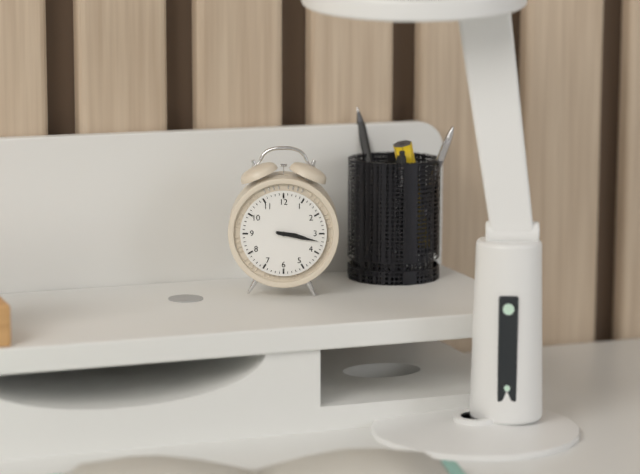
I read 3.17
